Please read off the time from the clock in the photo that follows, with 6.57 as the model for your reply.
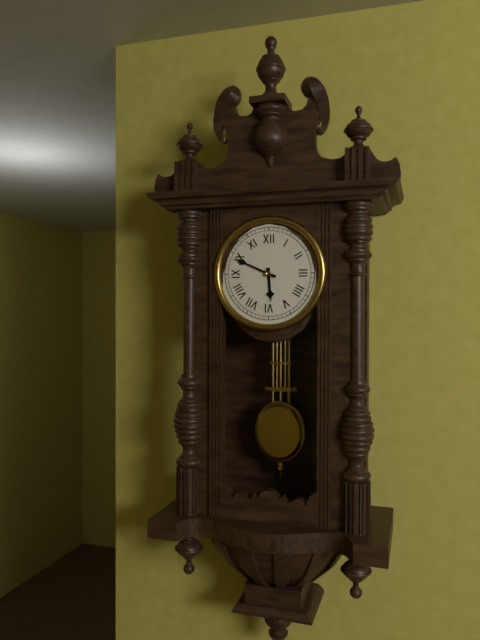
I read 5.49
